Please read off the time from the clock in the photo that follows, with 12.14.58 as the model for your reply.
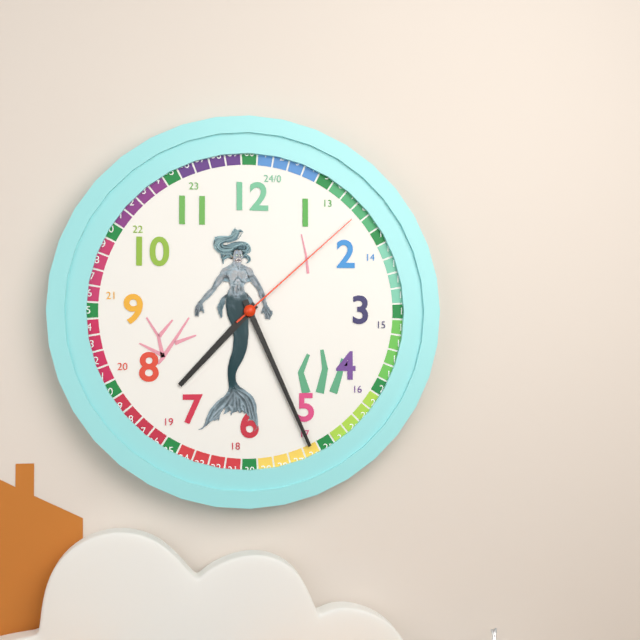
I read 7.26.08
